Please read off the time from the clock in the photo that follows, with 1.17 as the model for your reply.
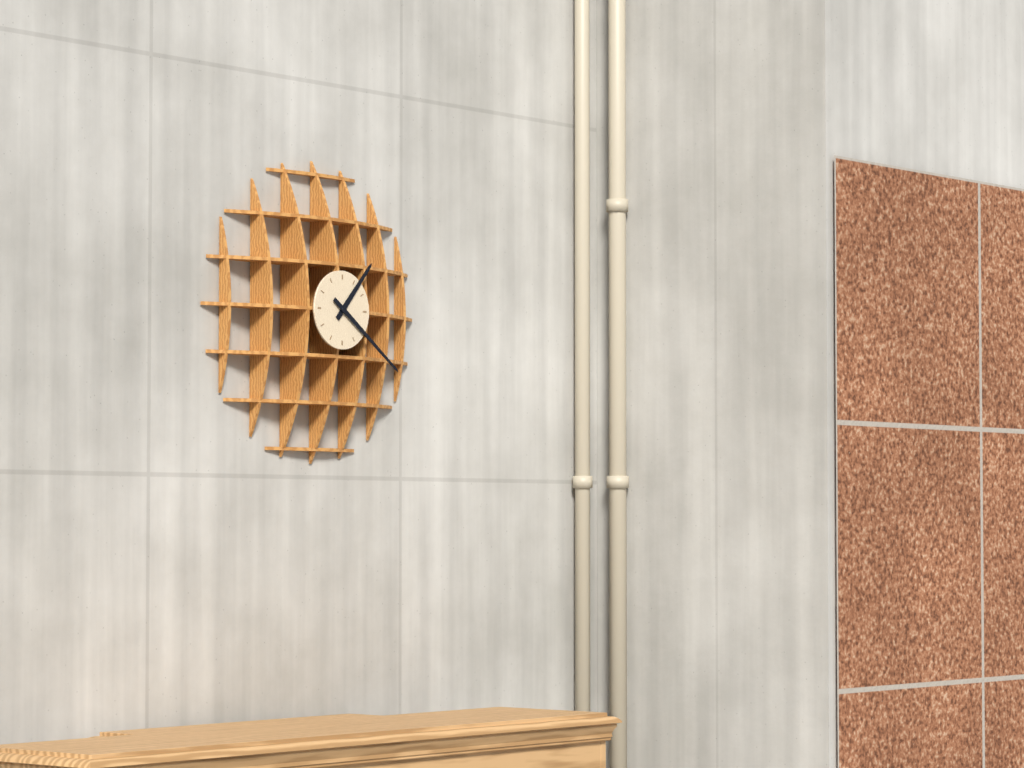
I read 1.21
